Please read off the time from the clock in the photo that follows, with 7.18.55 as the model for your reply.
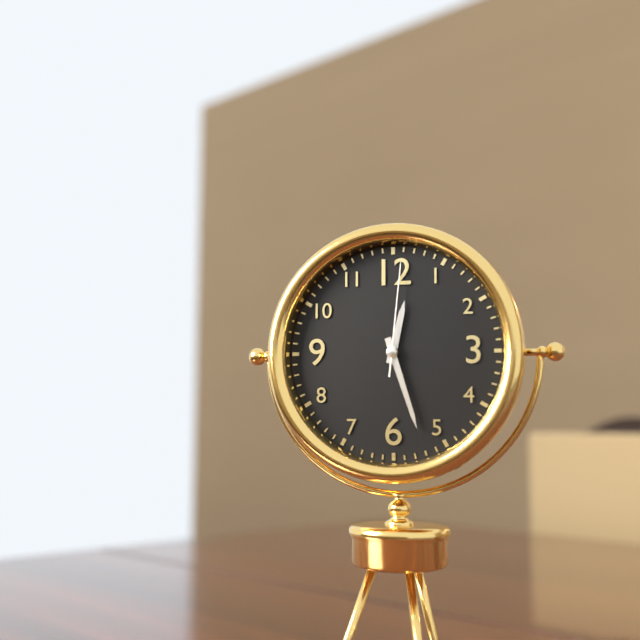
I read 12.27.01
